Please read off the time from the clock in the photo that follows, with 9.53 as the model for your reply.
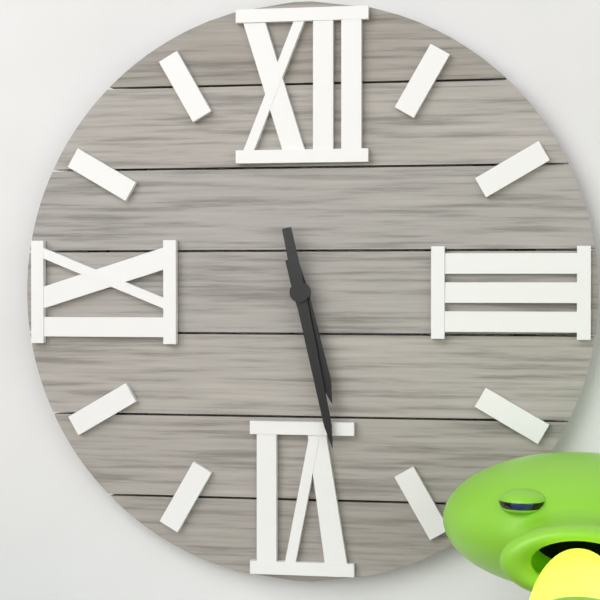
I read 5.28
